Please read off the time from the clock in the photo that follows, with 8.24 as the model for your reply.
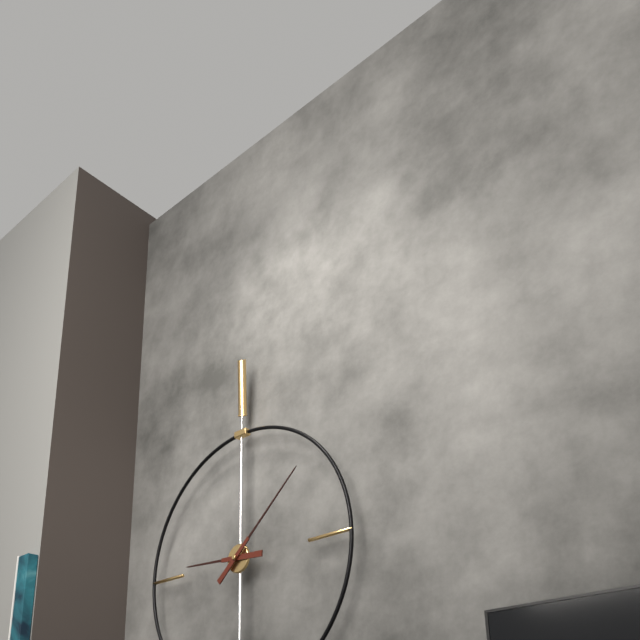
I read 9.08
